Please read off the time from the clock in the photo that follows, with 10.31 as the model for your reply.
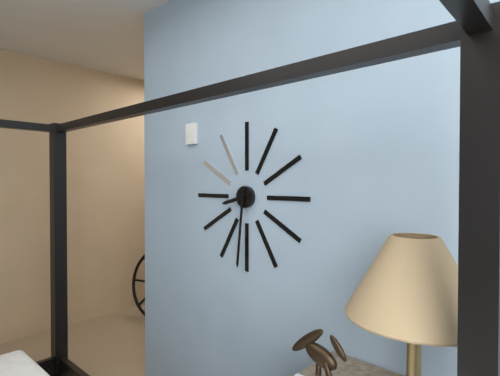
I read 8.31
